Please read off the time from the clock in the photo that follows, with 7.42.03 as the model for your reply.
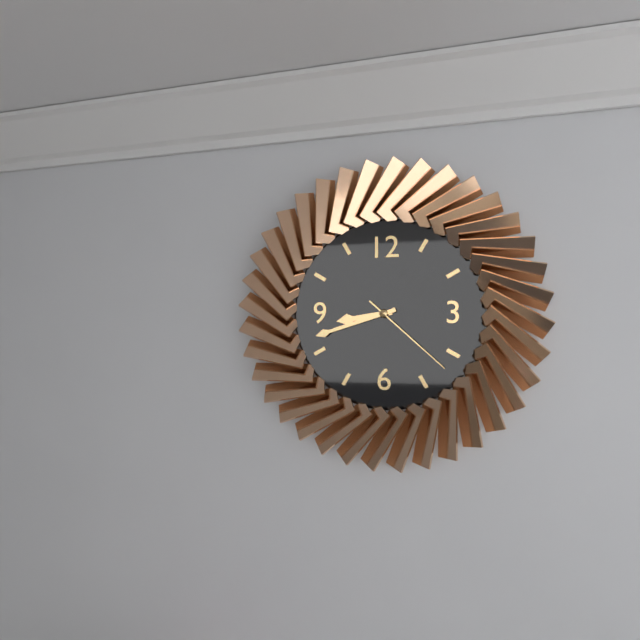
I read 8.42.22
